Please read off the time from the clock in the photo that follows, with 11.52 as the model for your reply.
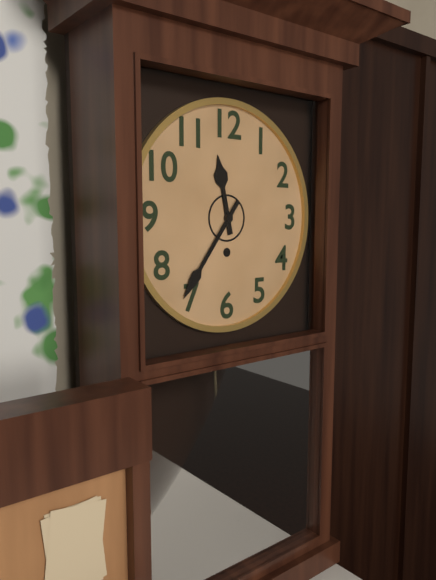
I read 11.36
